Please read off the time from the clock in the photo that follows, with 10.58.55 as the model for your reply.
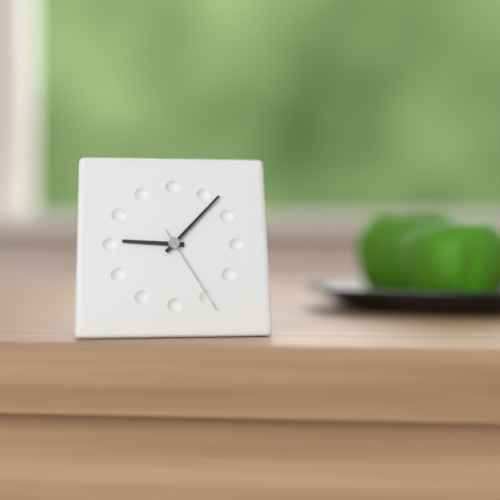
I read 9.07.25
